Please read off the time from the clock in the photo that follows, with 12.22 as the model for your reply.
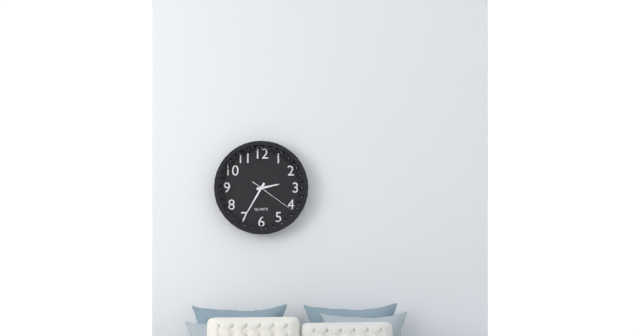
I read 2.35
